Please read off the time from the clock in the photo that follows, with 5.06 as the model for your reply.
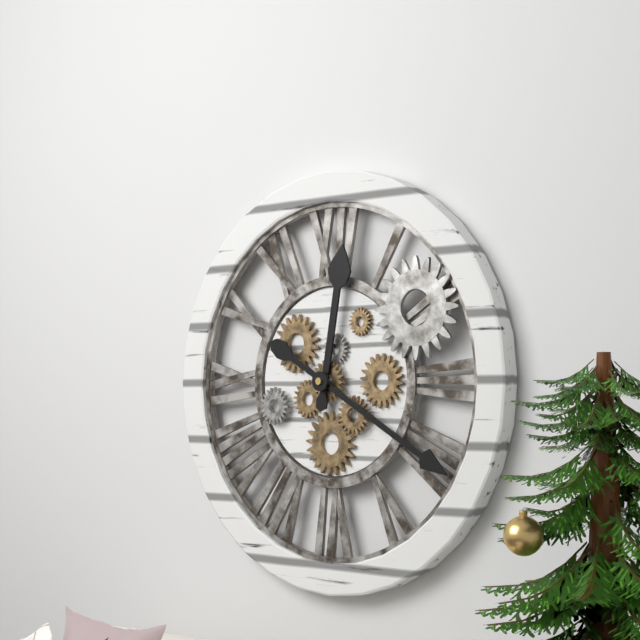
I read 12.20
